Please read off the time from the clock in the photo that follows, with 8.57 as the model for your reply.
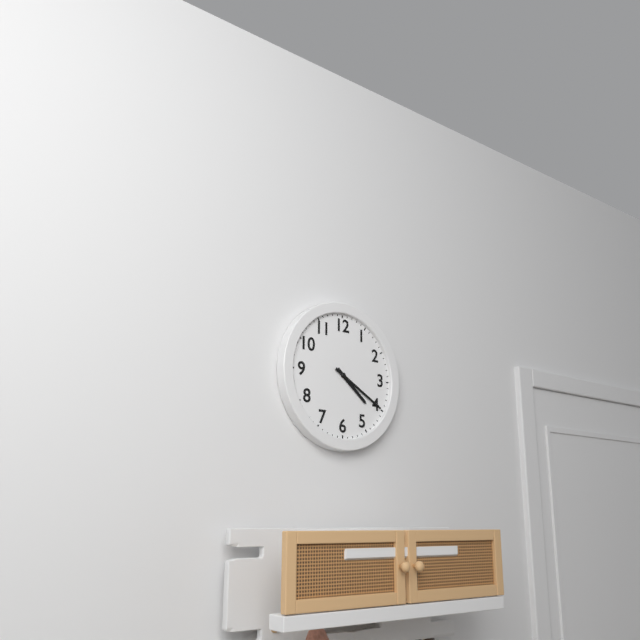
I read 4.20
